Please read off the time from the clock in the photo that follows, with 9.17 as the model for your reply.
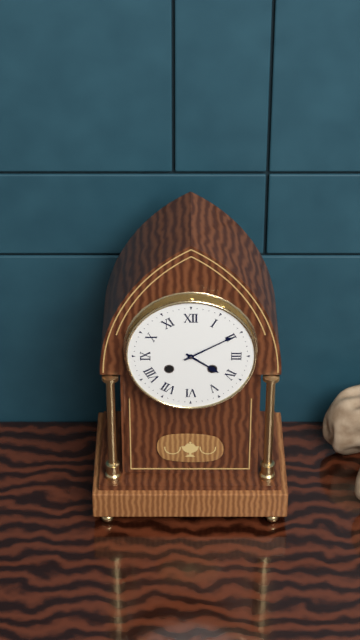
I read 4.10
